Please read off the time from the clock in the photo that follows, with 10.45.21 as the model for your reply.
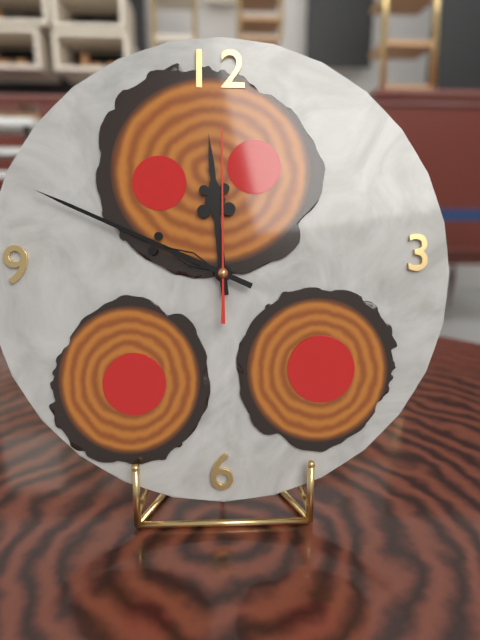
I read 11.49.00
